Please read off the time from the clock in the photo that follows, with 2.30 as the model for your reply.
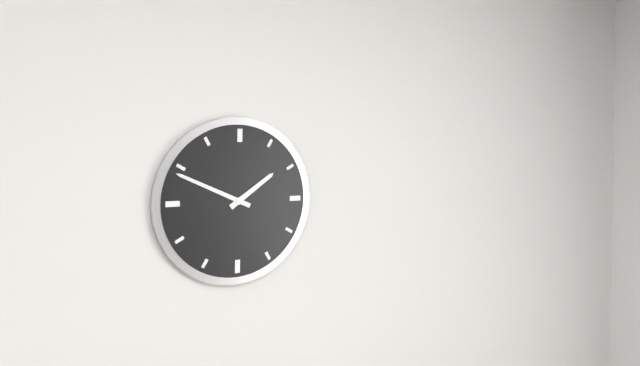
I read 1.49
